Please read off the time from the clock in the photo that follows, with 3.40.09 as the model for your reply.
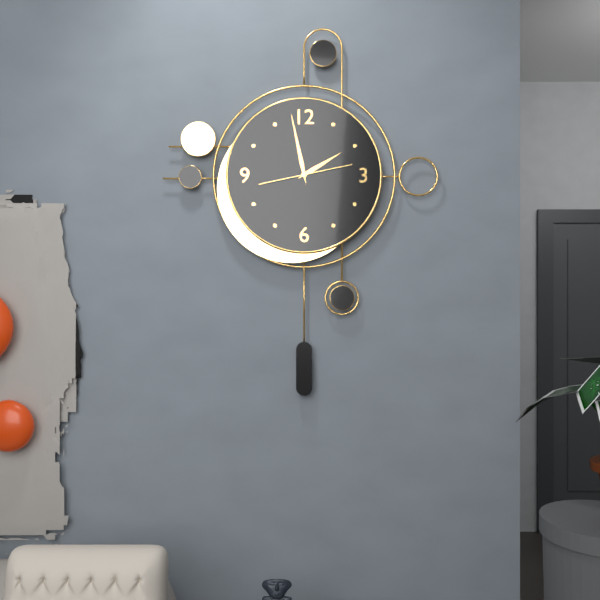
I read 1.58.13
